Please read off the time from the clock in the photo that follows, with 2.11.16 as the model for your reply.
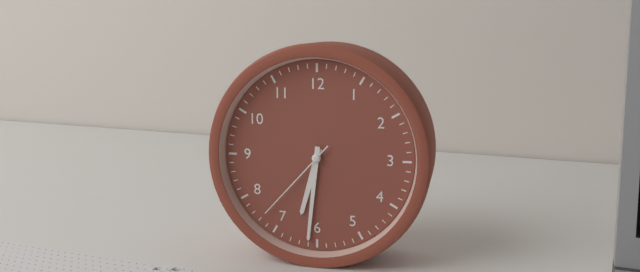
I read 6.31.37
